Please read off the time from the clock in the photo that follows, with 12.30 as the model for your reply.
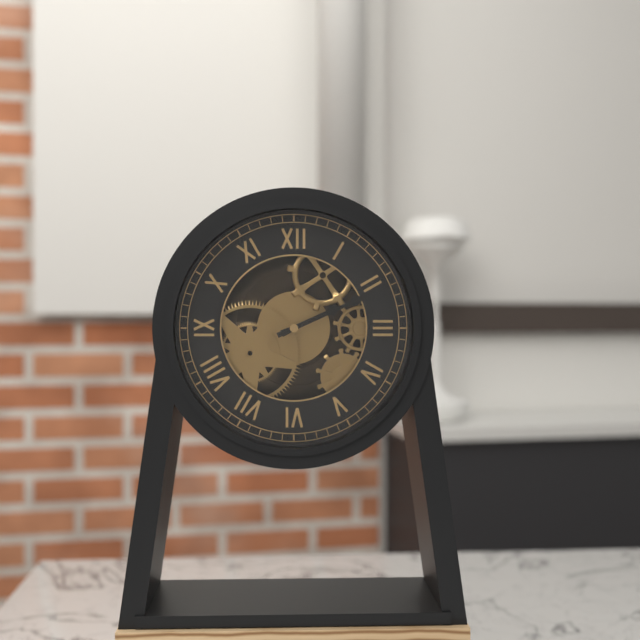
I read 2.11
